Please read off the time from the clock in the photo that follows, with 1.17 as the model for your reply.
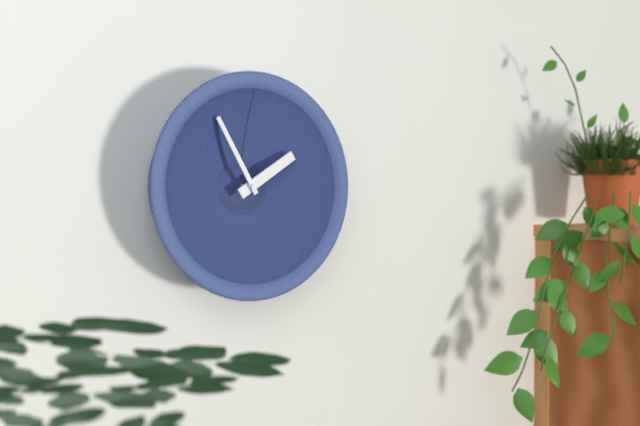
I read 1.55
